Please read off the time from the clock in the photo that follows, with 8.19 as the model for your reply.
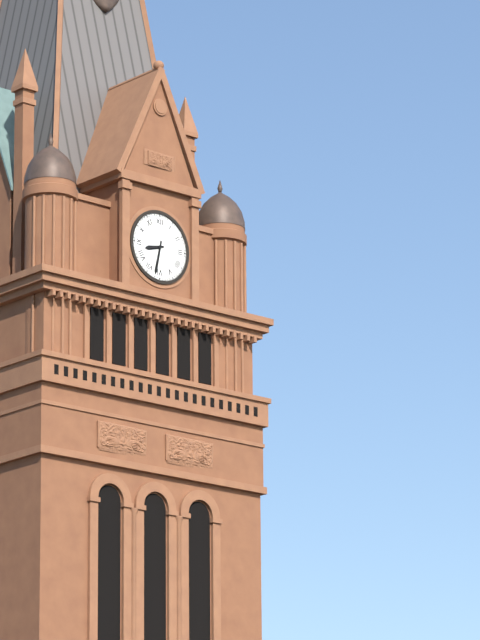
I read 8.32
